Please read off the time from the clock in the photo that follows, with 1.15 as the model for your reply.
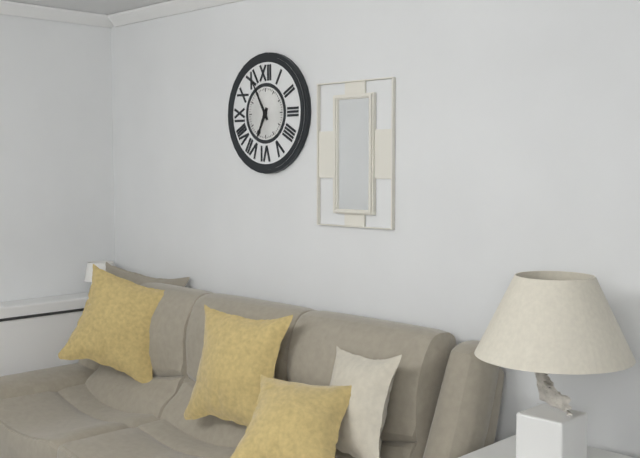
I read 6.55
